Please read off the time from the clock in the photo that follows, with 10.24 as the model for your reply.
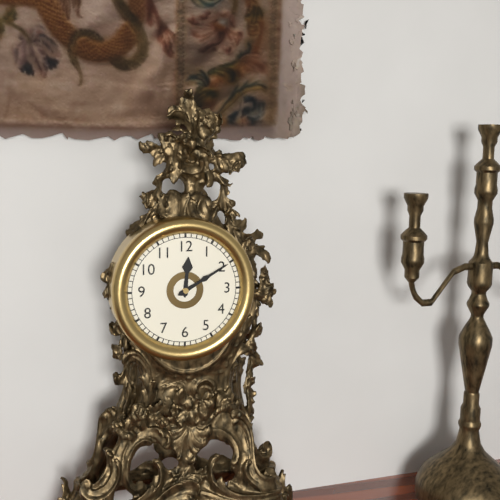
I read 12.10
